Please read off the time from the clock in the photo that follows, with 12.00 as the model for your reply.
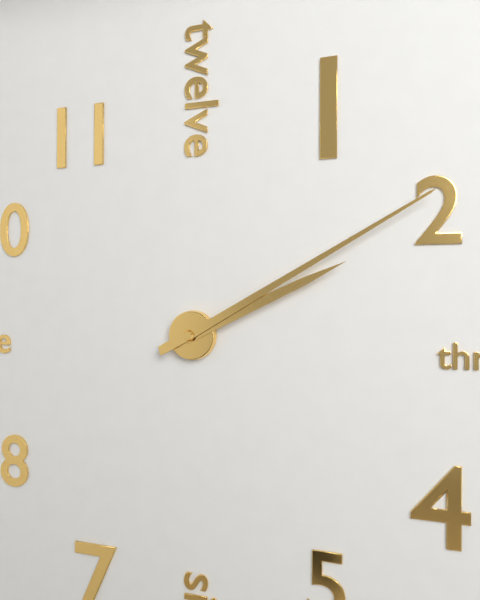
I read 2.10
